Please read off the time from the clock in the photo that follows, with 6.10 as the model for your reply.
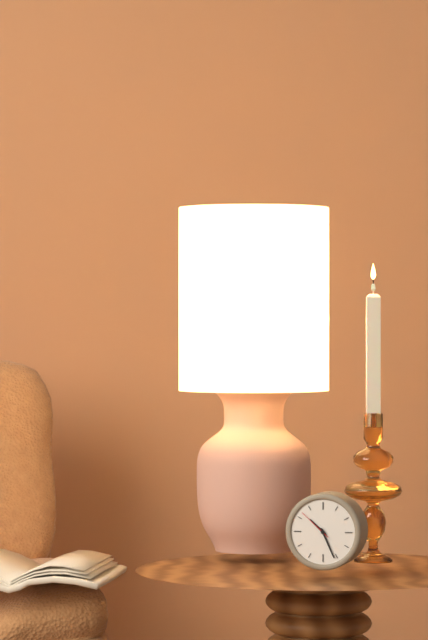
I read 10.26
